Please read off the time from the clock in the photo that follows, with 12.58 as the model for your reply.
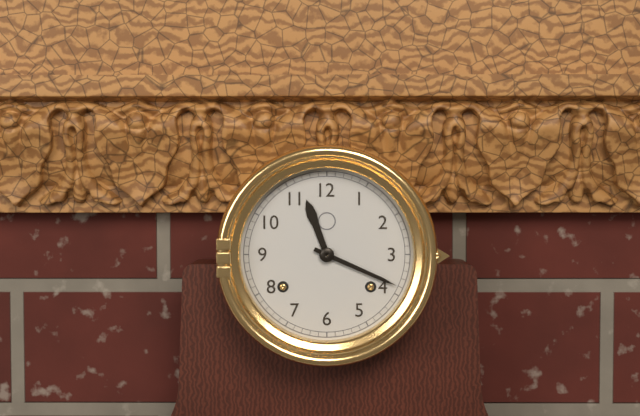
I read 11.19
